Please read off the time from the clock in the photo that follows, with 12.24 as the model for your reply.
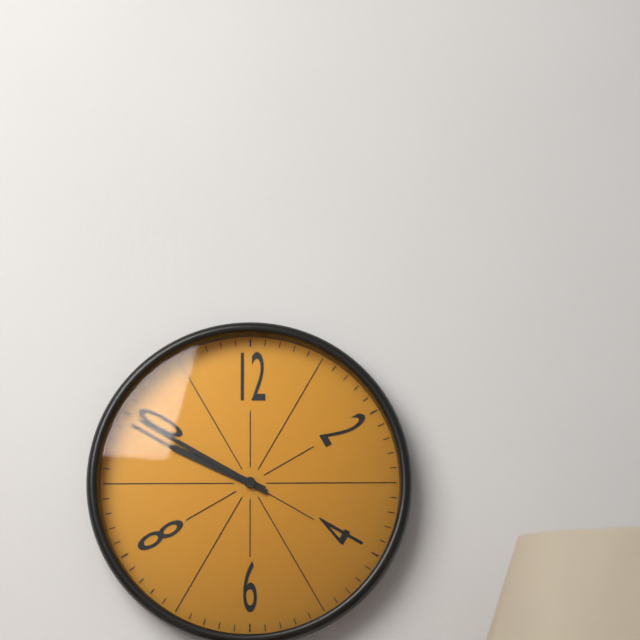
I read 9.50
